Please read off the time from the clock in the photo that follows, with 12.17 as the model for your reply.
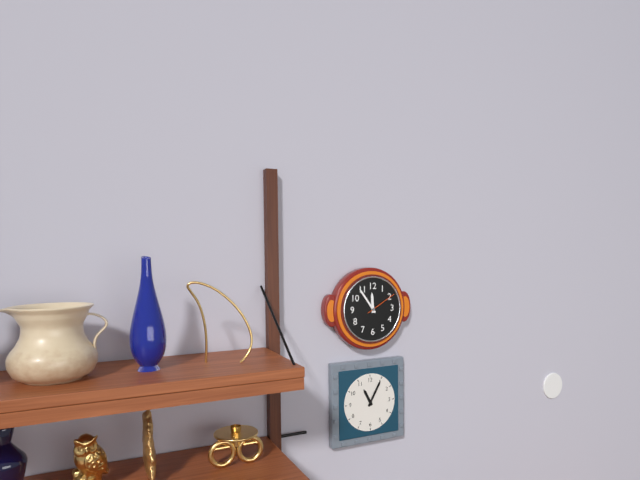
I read 11.54
